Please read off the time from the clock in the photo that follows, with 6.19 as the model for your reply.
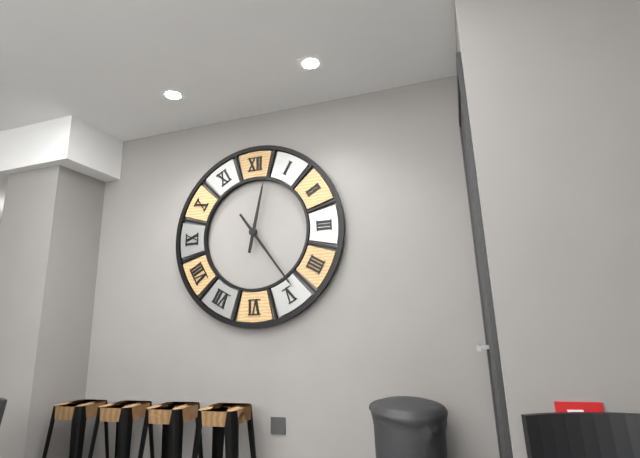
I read 12.24
